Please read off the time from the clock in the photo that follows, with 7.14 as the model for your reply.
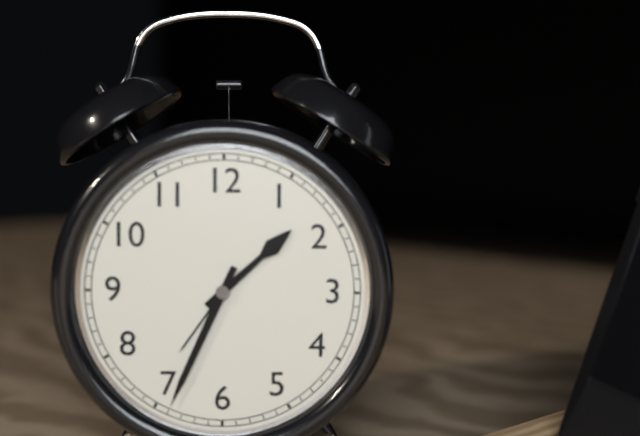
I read 1.34
